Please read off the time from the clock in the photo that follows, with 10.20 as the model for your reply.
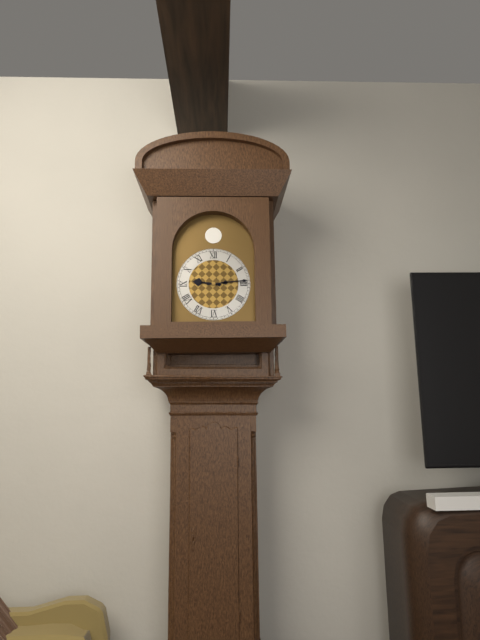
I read 9.14
